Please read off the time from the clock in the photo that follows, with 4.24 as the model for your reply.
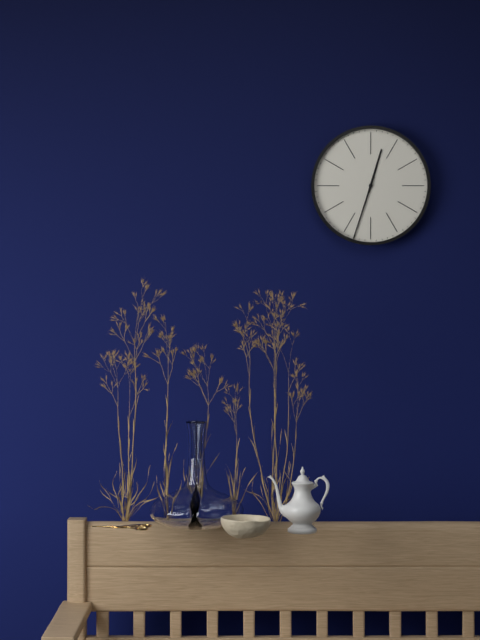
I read 12.33
